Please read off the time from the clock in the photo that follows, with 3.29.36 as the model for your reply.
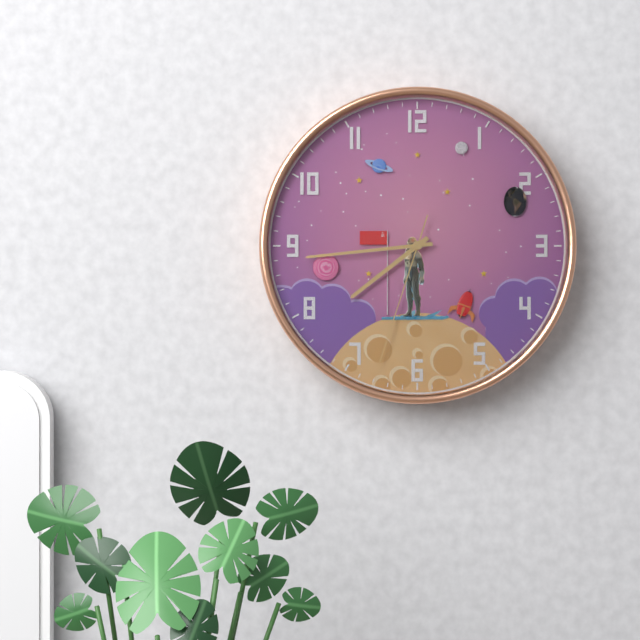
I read 7.44.33
